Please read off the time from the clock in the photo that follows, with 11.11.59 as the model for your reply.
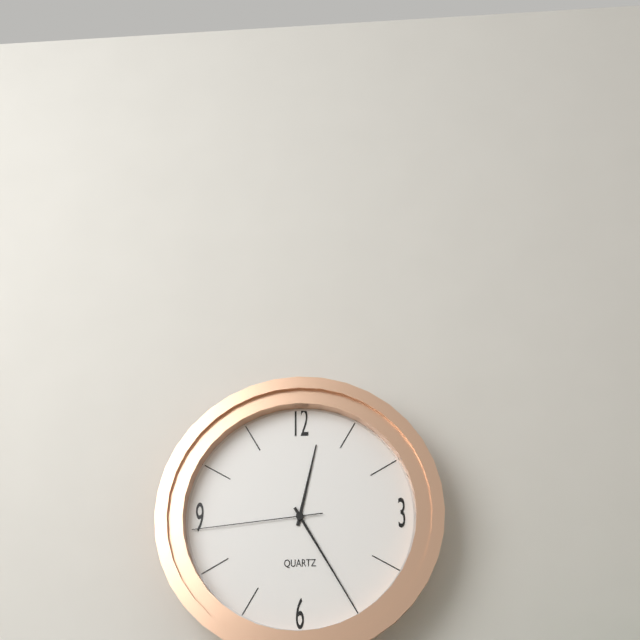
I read 12.25.44
